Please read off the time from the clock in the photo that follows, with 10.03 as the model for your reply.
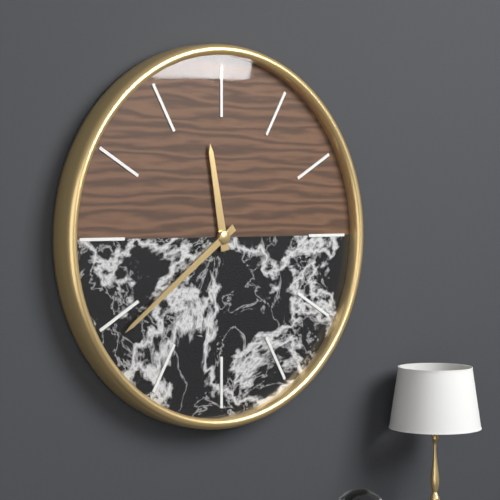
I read 11.39
